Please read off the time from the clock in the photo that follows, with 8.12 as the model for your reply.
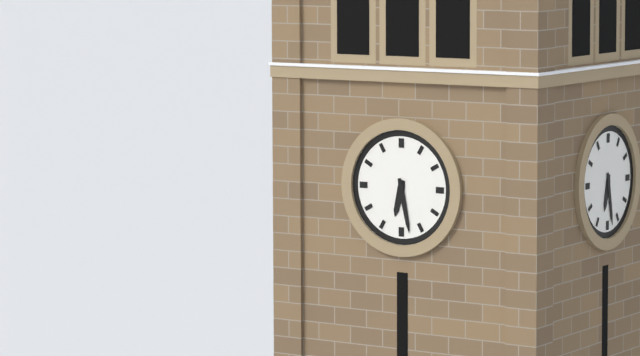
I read 6.28
